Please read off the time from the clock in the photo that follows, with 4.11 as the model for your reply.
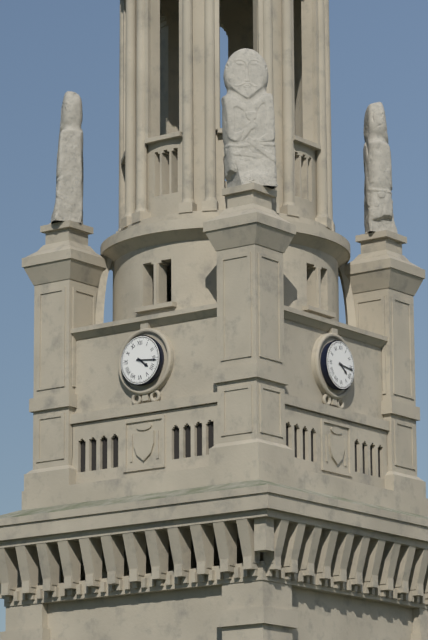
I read 4.16
